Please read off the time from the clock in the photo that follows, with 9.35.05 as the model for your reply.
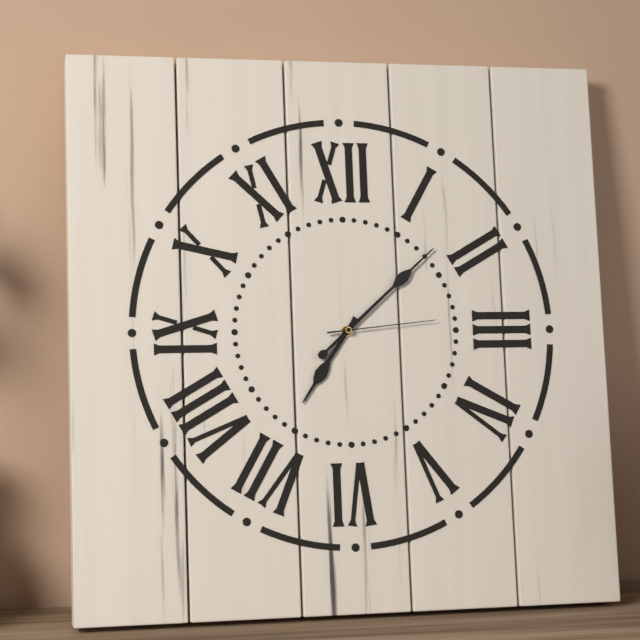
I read 7.08.14
